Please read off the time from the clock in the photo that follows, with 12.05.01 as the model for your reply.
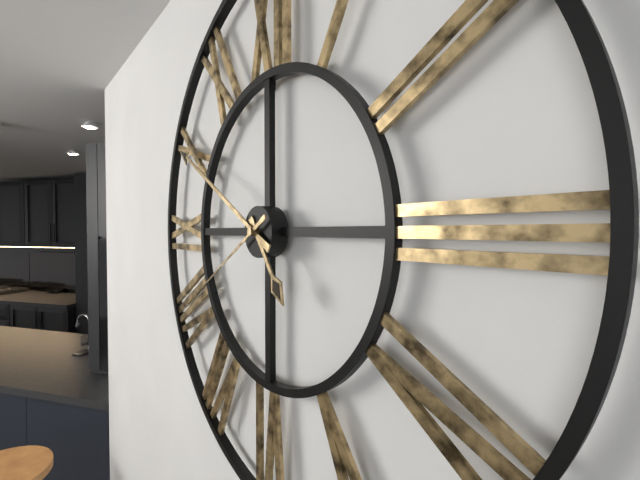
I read 4.50.40
